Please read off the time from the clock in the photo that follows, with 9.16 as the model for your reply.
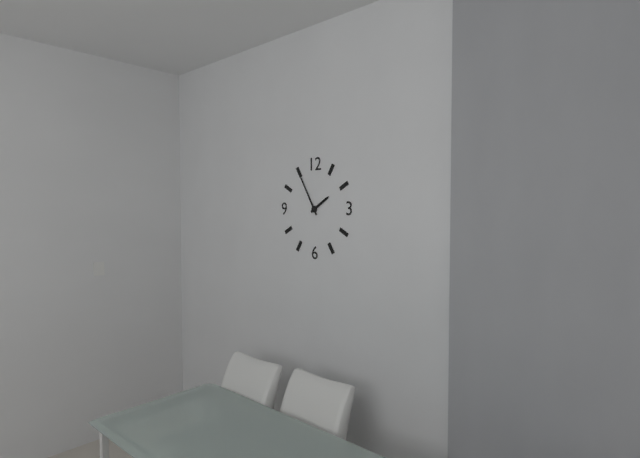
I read 1.55
